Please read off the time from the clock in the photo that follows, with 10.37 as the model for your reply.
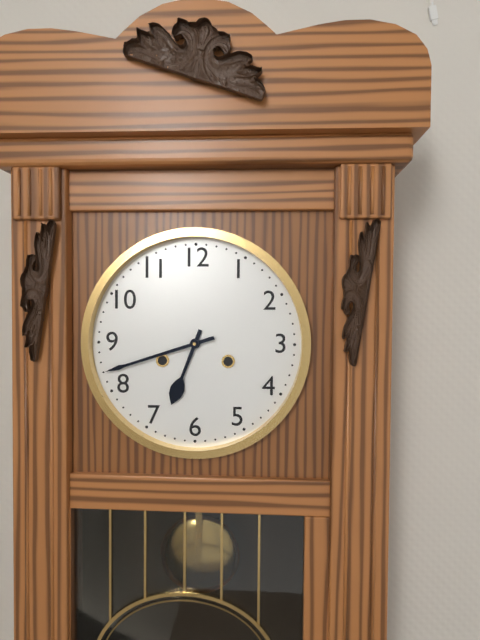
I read 6.42
